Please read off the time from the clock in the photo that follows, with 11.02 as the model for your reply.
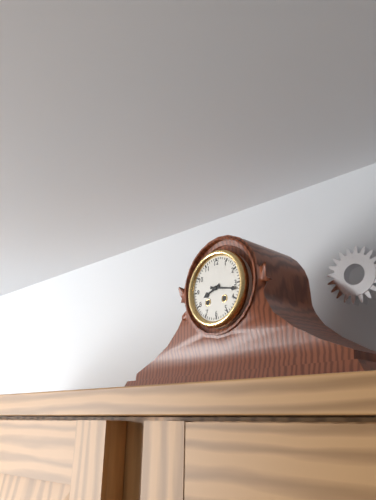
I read 8.17
